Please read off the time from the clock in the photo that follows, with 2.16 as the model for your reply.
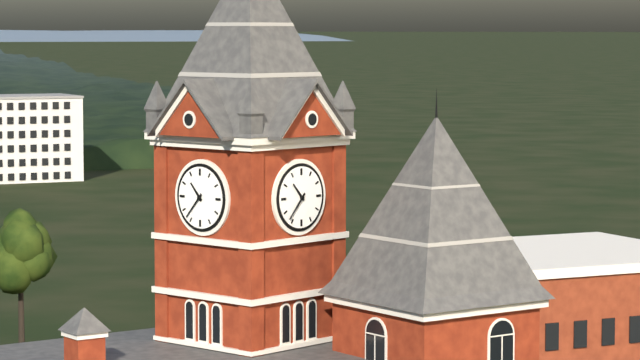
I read 10.37
